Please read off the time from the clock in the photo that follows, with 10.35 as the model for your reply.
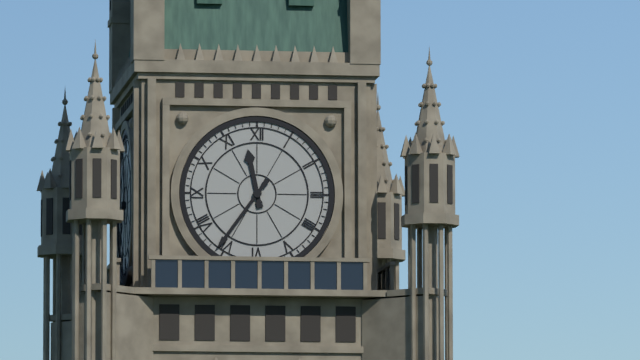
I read 11.36
